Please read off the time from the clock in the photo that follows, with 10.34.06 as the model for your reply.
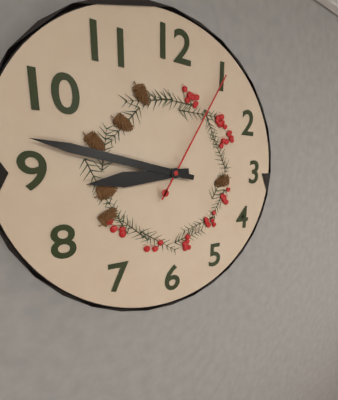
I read 8.47.05
